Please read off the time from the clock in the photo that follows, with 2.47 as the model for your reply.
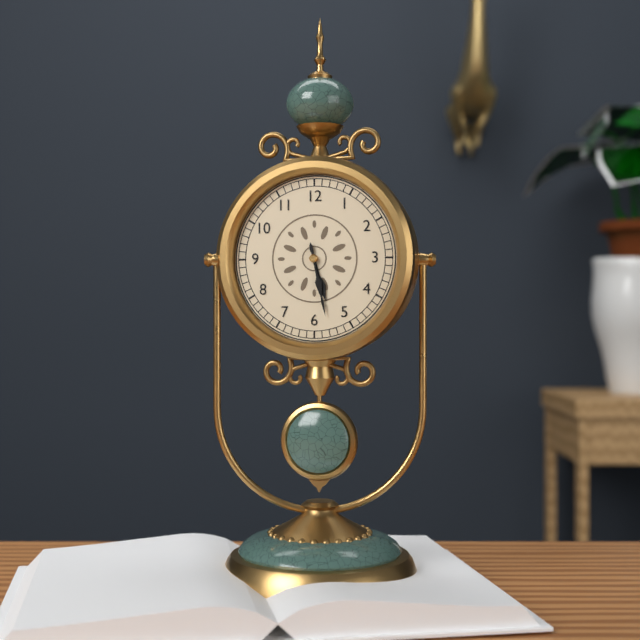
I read 5.28
